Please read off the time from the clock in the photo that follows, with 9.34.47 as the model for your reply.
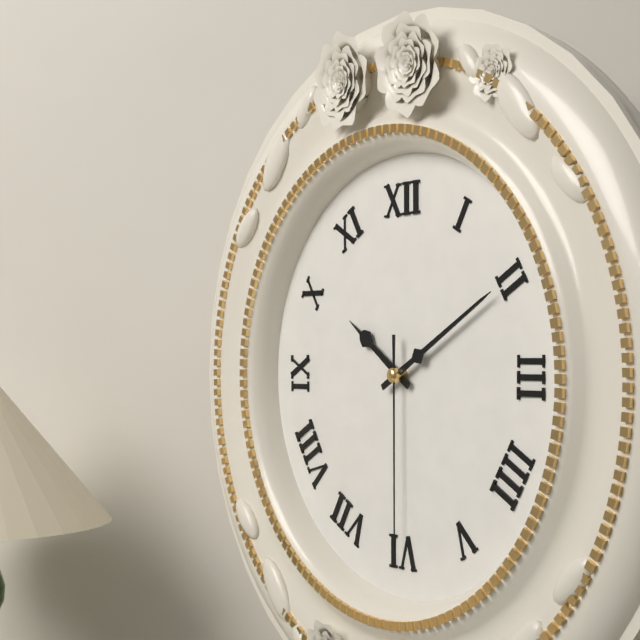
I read 10.10.30
